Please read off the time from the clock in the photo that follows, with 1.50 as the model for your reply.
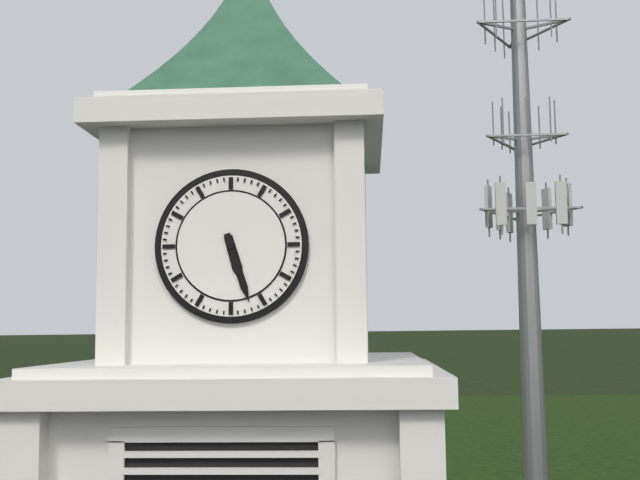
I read 5.27
